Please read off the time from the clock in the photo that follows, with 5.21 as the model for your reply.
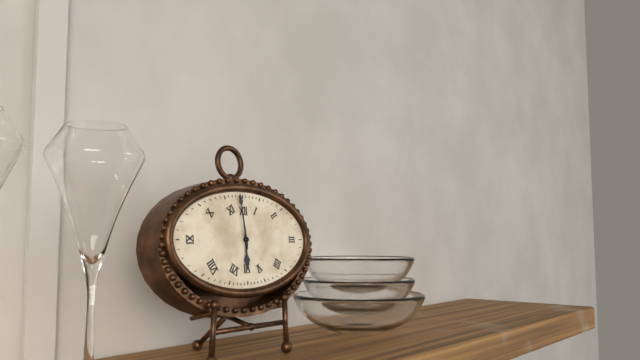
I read 5.59
